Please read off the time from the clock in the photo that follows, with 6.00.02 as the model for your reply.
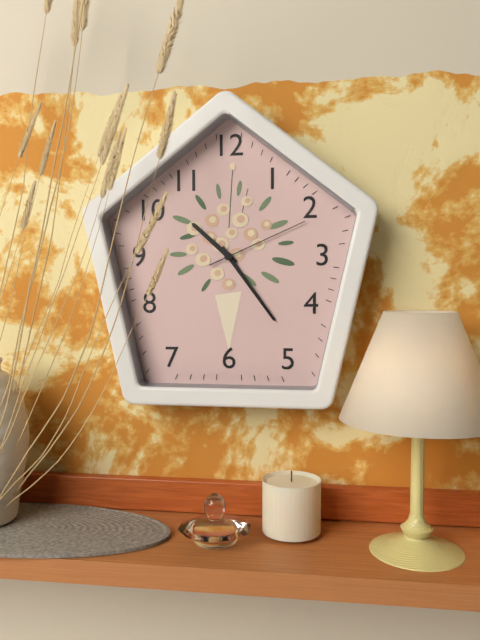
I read 10.24.11
